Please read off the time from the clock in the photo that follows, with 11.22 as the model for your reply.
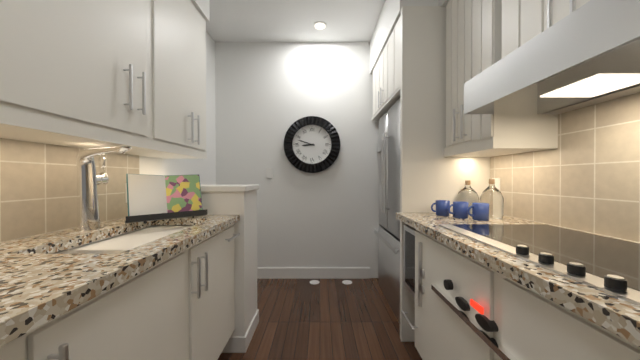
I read 8.48
